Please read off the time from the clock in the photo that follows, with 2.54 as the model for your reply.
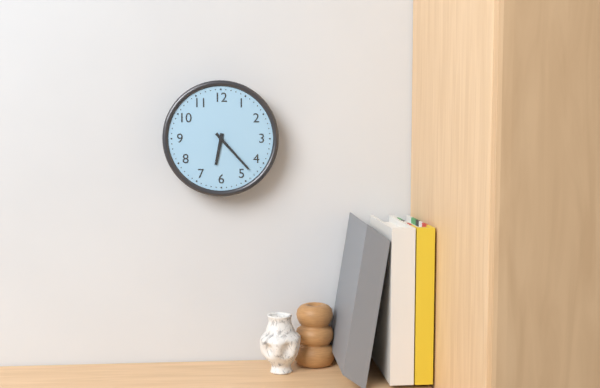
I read 6.23
